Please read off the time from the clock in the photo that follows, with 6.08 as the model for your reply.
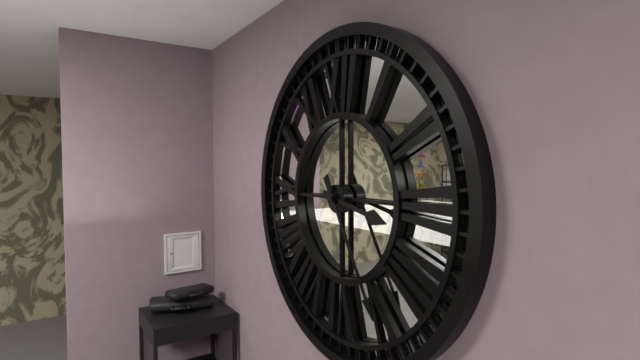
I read 3.25
